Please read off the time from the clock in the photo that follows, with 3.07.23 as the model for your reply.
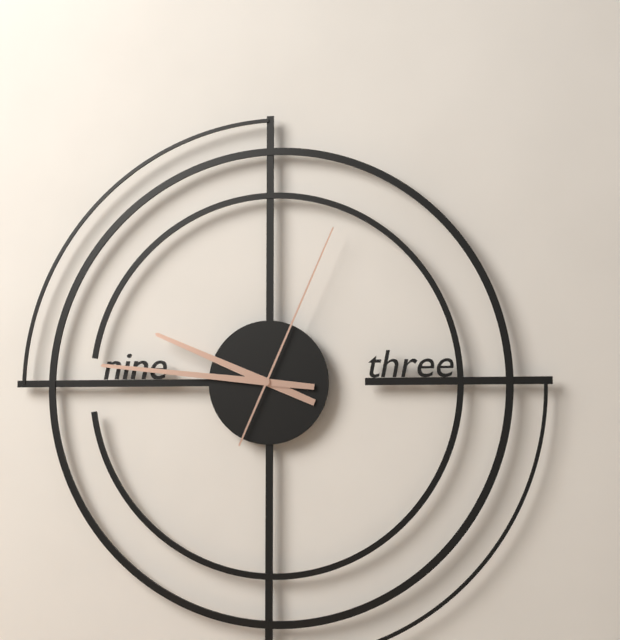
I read 9.46.04
